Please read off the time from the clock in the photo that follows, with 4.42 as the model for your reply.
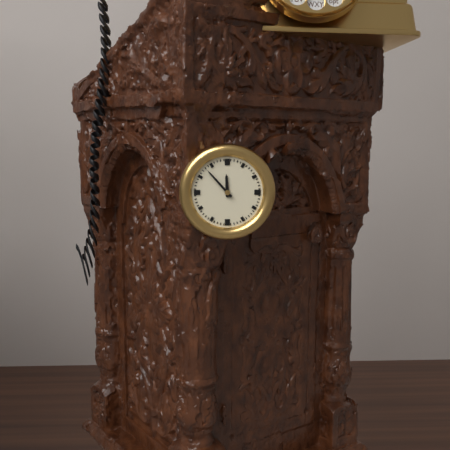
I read 11.53
